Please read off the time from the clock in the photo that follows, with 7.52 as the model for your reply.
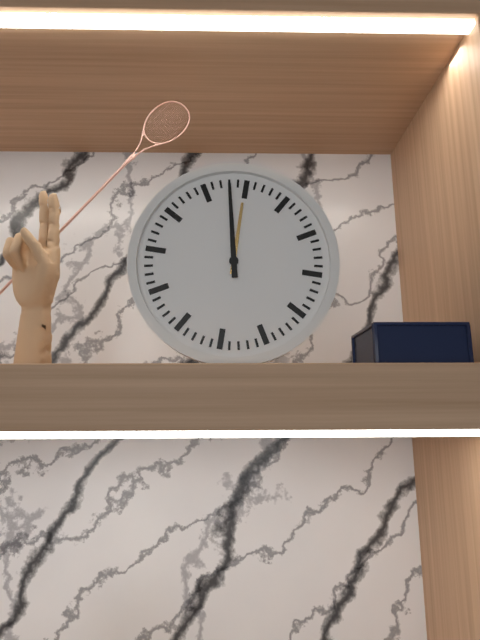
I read 11.58
